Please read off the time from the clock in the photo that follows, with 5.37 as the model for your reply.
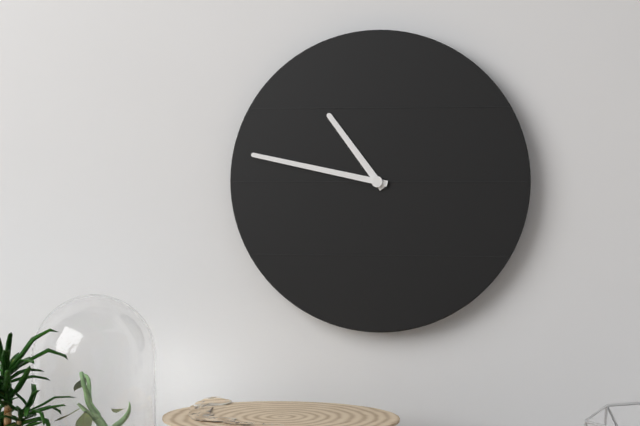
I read 10.47
